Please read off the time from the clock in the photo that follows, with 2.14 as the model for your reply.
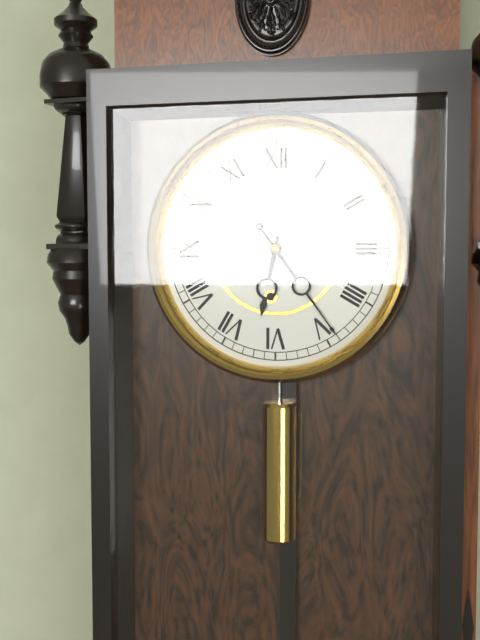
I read 6.24
